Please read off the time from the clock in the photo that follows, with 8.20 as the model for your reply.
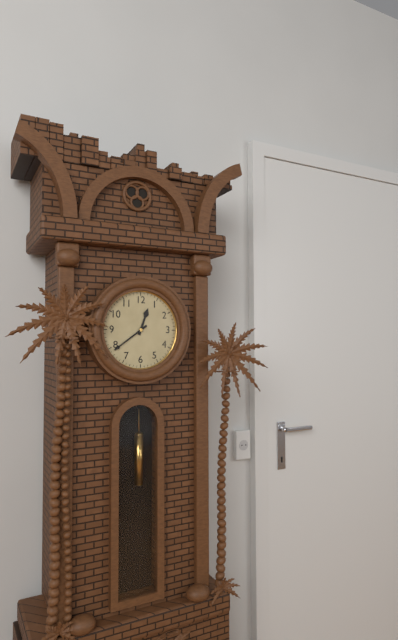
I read 12.39
